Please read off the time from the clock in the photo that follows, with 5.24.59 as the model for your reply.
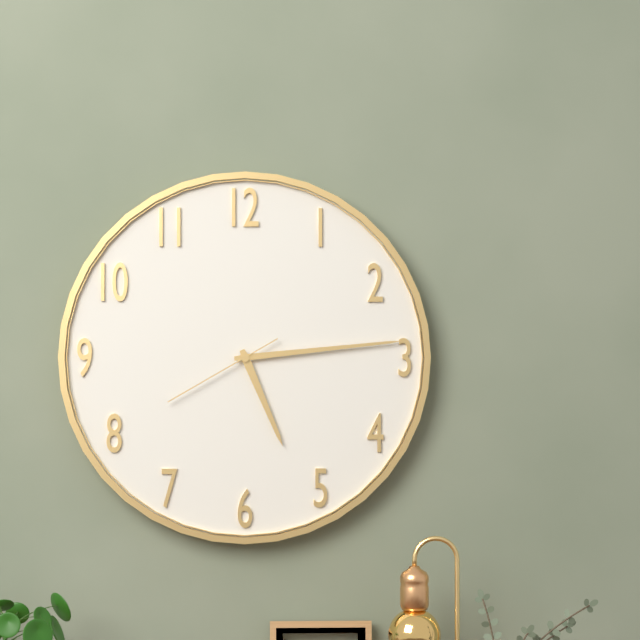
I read 5.14.40
